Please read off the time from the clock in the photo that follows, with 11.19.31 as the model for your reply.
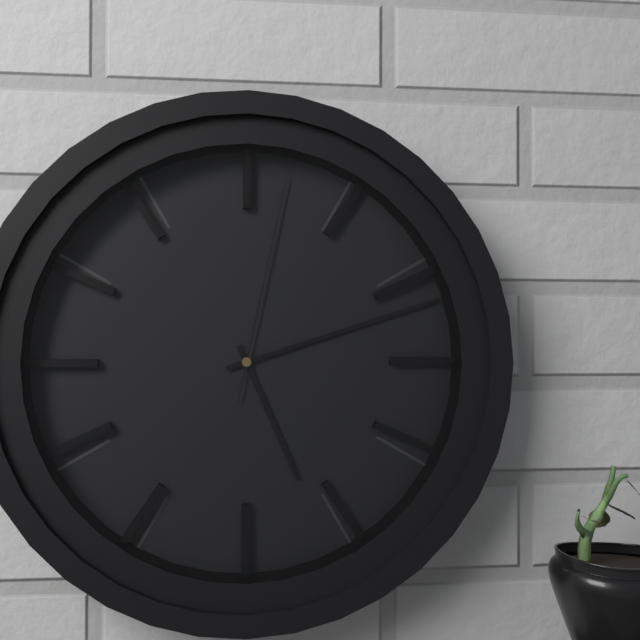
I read 5.12.02
